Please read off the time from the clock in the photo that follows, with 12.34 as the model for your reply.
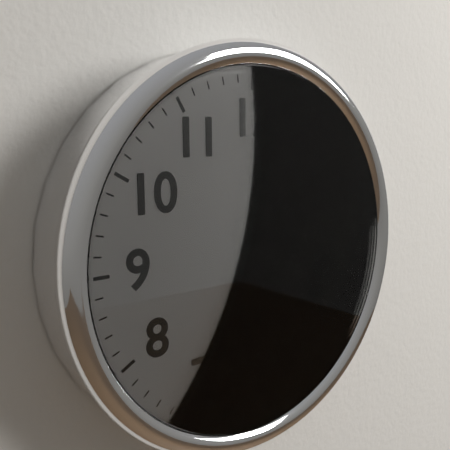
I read 12.35
